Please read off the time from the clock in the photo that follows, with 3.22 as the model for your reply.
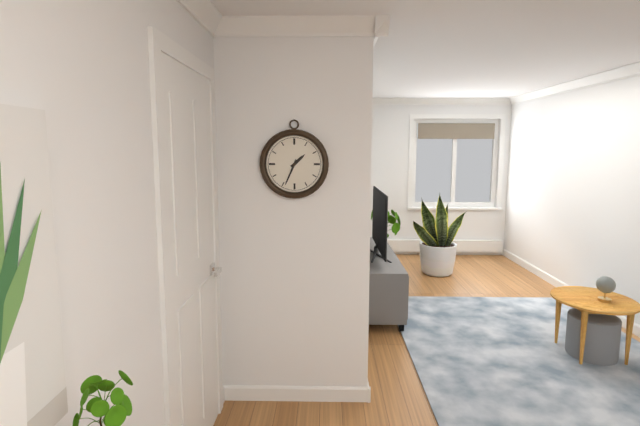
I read 1.34
